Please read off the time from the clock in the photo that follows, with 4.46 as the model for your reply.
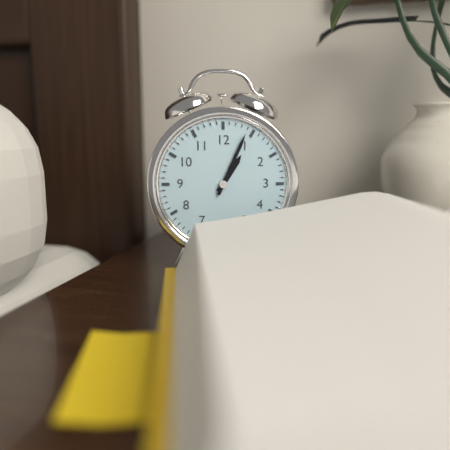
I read 1.04
